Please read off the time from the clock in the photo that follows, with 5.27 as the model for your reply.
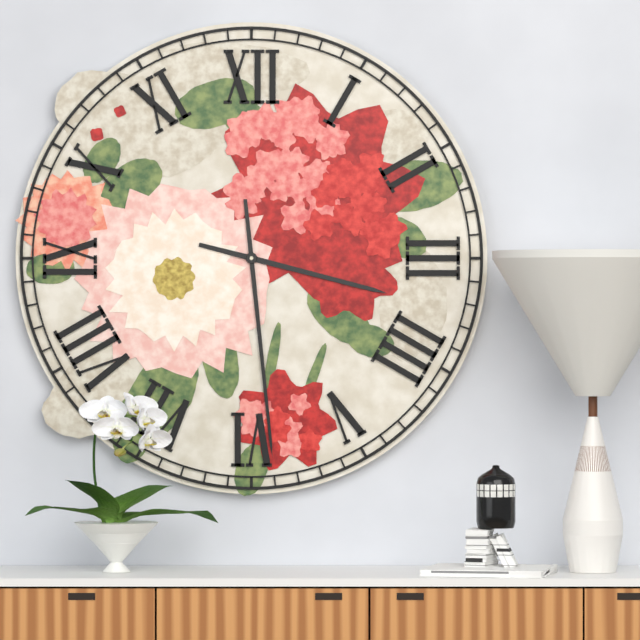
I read 3.29
